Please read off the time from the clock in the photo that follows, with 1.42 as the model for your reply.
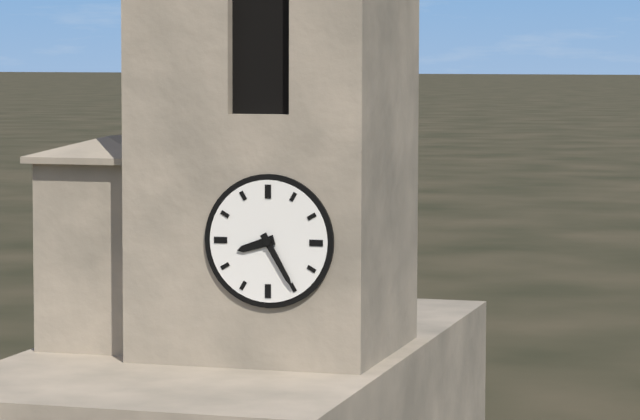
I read 8.25
